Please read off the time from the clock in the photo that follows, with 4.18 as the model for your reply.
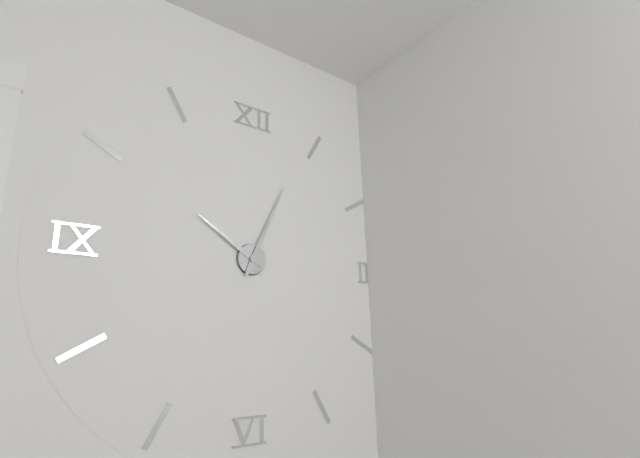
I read 10.04
